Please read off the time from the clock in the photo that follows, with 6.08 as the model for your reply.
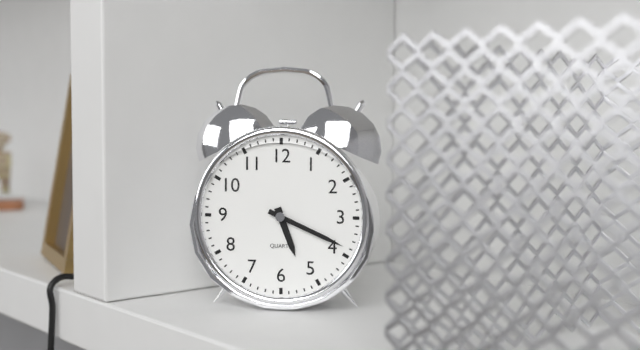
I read 5.19
